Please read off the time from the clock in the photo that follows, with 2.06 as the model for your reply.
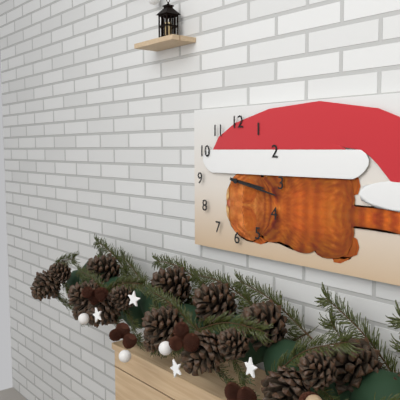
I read 3.17
